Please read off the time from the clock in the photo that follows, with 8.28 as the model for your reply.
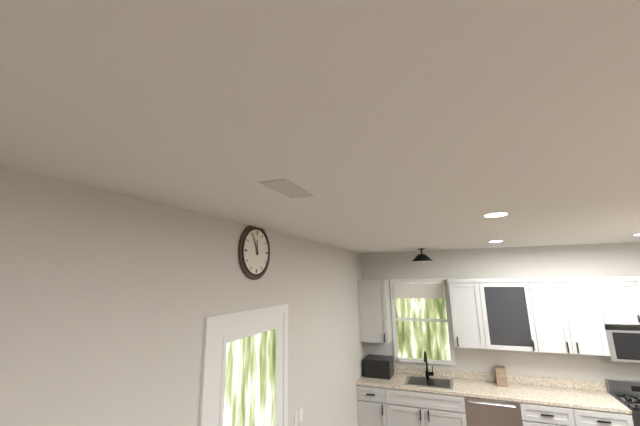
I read 11.55
